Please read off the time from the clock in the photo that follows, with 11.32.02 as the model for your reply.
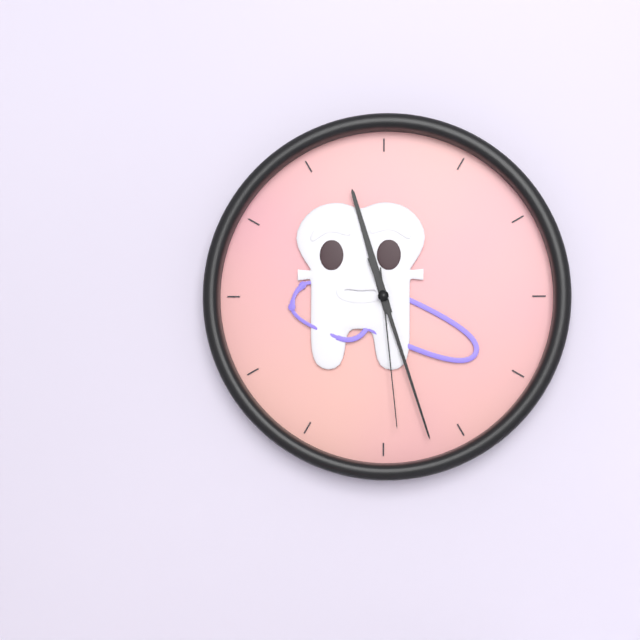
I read 11.27.29
